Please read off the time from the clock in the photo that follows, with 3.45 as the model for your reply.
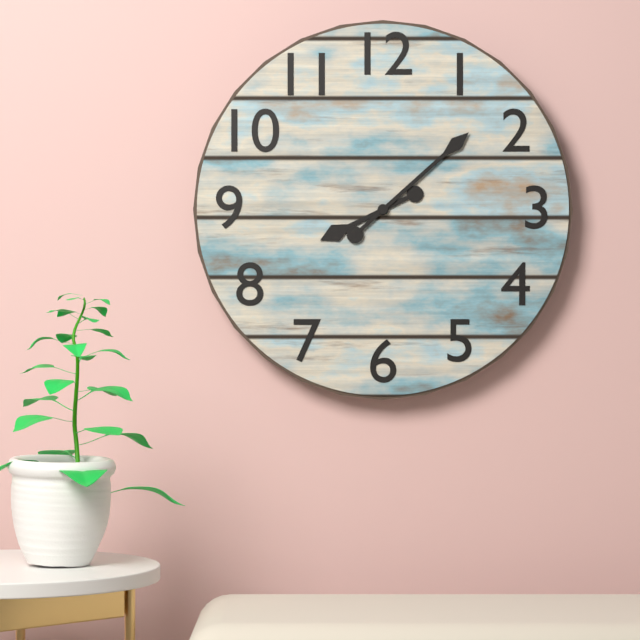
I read 8.08
